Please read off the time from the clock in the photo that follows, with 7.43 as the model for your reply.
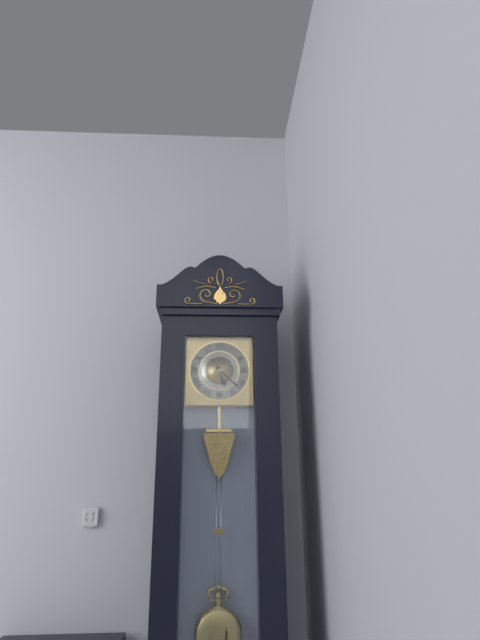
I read 5.22
